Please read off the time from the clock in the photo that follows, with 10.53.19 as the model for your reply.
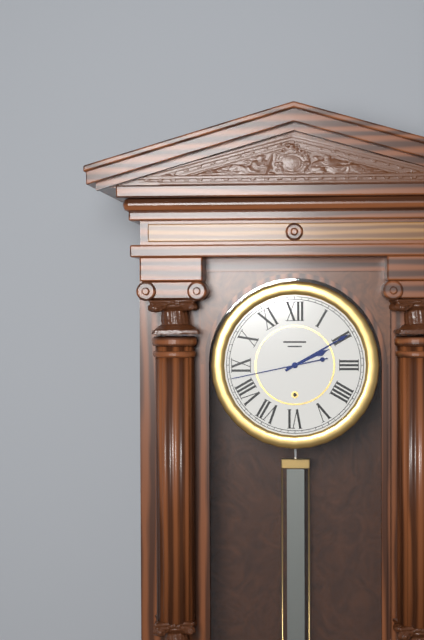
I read 2.10.43
